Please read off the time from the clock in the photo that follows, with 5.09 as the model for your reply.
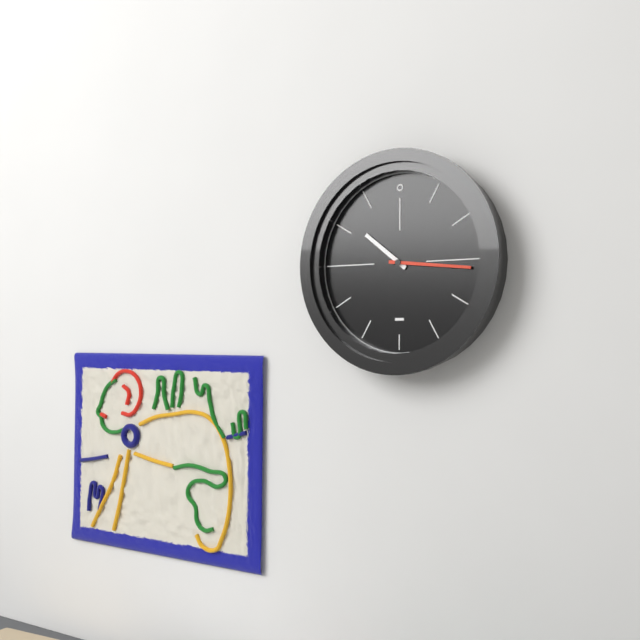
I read 10.16
